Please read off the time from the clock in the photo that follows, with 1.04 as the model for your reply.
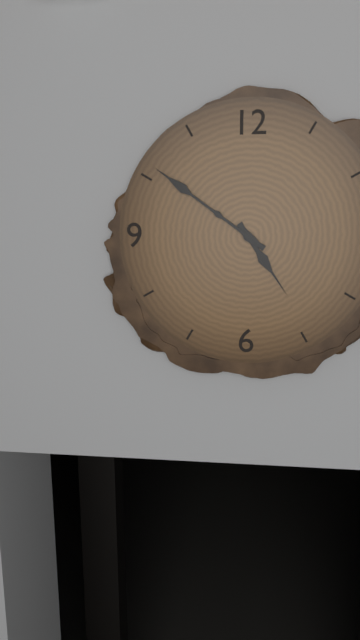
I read 4.51
